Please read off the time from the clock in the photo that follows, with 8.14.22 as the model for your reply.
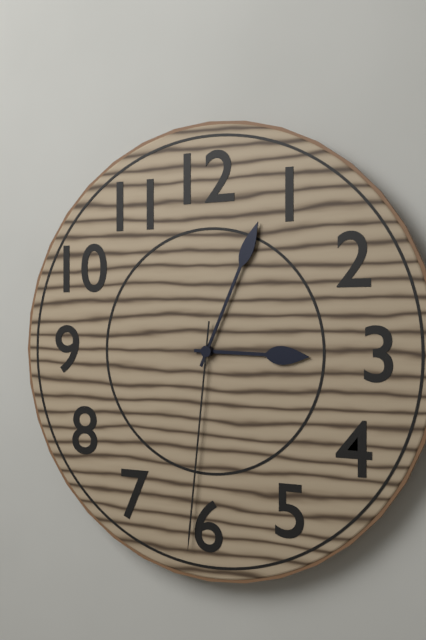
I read 3.04.31
